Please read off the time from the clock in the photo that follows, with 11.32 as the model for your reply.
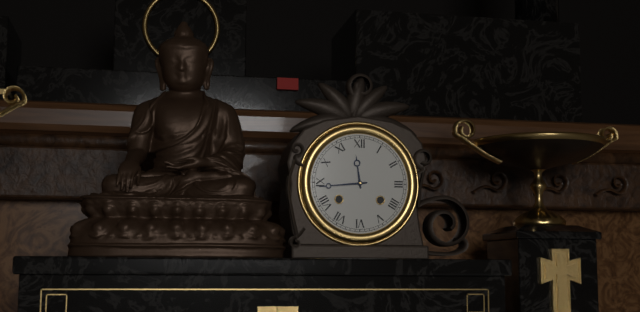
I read 11.44
